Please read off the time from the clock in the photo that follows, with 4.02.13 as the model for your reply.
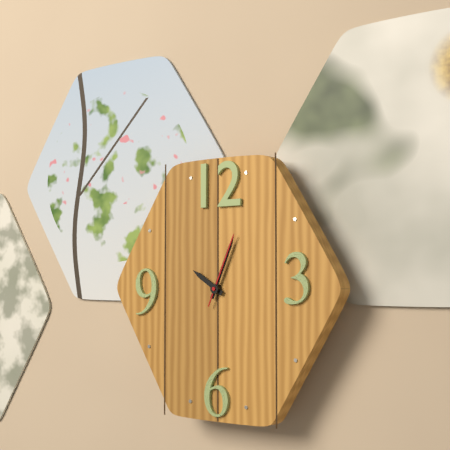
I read 10.04.04
